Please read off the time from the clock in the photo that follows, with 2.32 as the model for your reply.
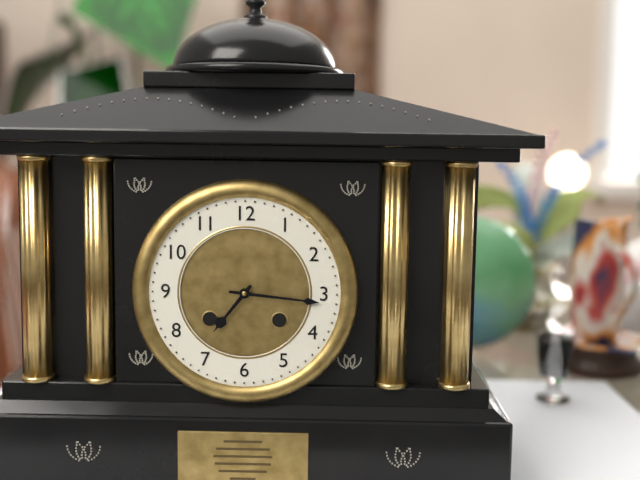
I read 7.16
